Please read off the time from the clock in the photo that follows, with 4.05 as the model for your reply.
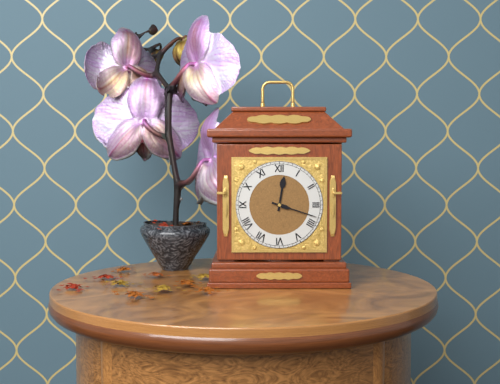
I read 12.18
